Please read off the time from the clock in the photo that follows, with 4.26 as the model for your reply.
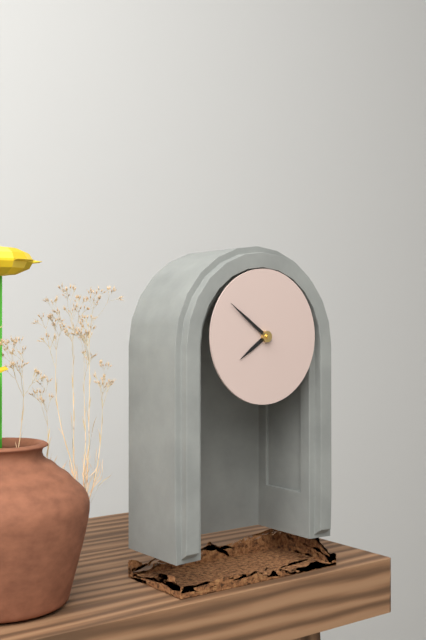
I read 7.51
